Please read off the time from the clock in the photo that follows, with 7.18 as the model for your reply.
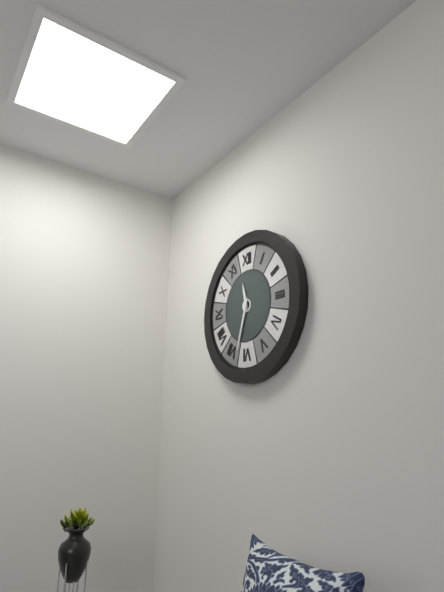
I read 11.33
